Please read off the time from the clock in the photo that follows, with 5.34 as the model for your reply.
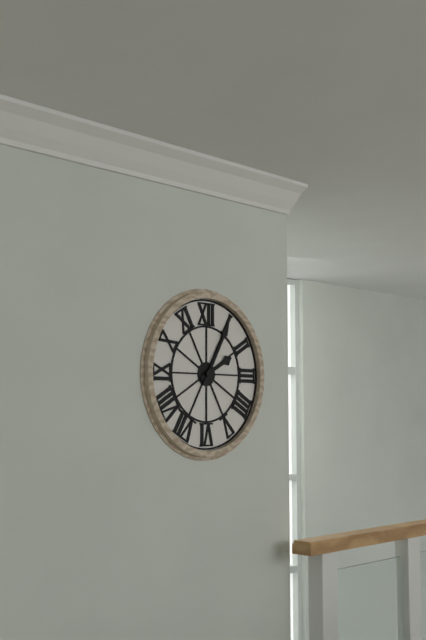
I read 2.05
